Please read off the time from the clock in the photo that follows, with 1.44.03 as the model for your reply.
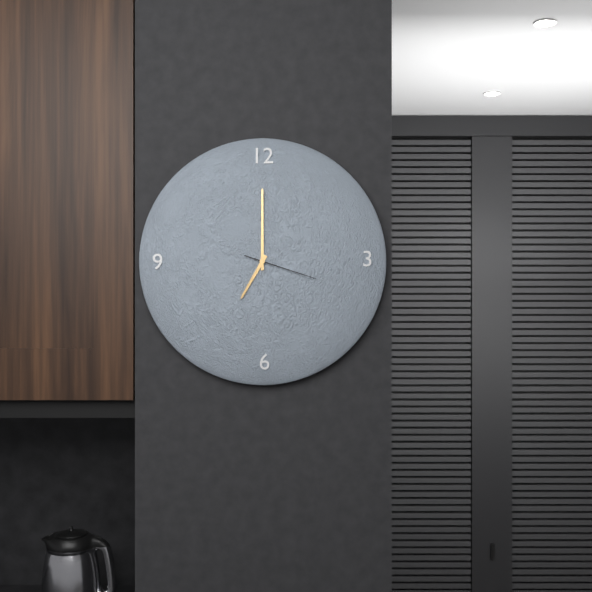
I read 7.00.18
